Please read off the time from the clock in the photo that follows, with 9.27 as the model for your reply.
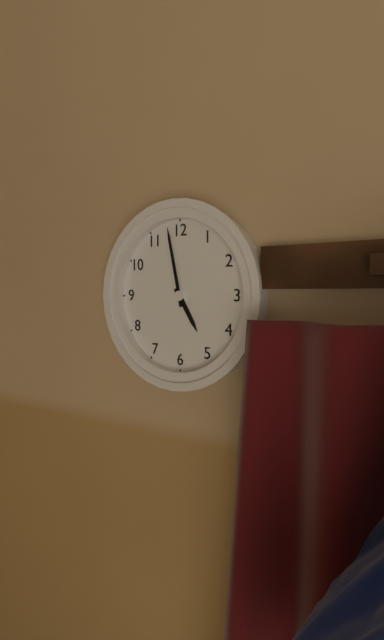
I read 4.58
